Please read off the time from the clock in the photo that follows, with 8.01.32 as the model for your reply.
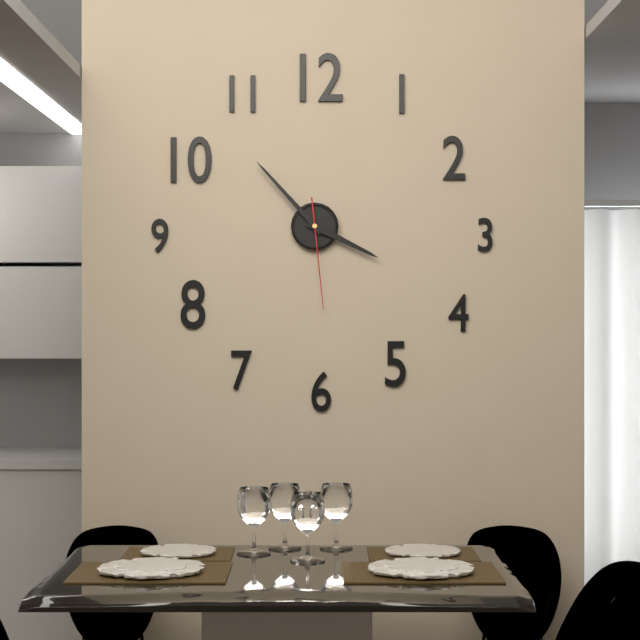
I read 3.53.29
